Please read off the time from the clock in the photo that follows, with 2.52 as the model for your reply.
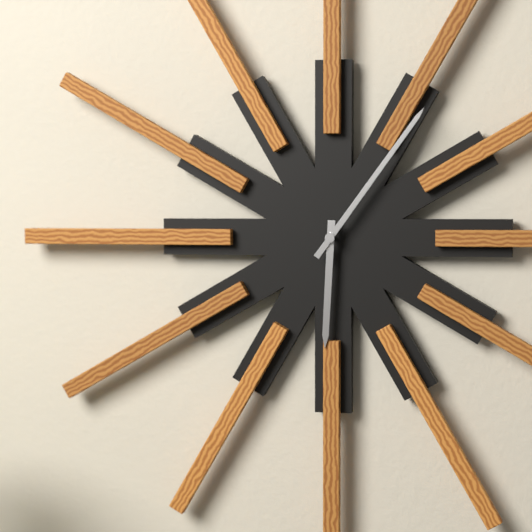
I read 6.06
